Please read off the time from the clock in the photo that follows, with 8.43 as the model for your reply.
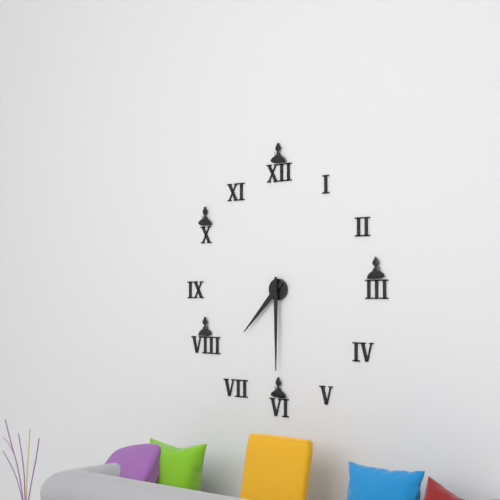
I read 7.30
